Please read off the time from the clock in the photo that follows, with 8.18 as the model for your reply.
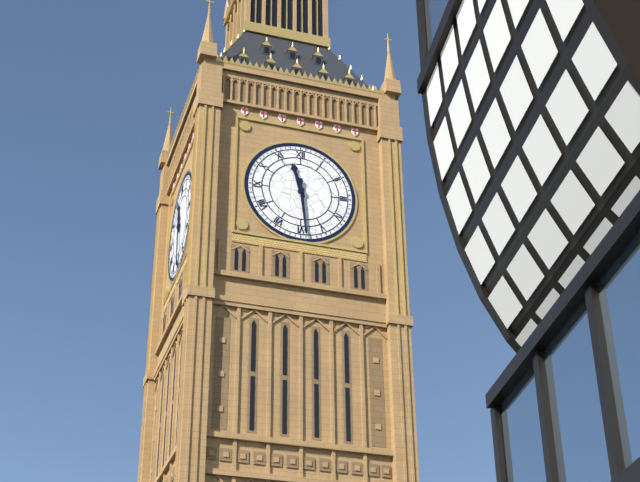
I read 11.29
